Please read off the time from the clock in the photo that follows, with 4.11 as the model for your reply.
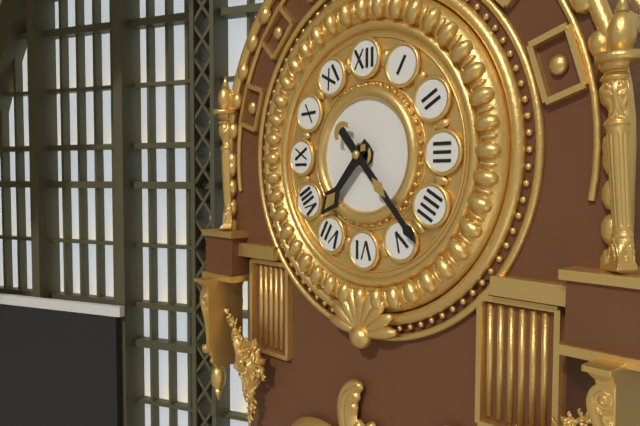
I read 7.23
